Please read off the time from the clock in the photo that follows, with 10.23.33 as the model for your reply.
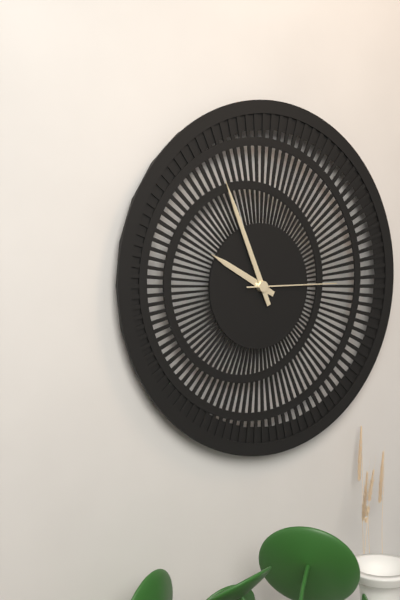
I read 9.56.15
